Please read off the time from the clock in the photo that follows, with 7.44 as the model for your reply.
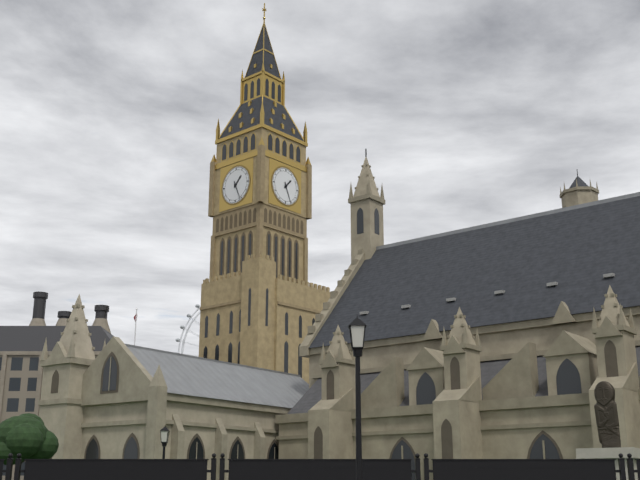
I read 1.26
